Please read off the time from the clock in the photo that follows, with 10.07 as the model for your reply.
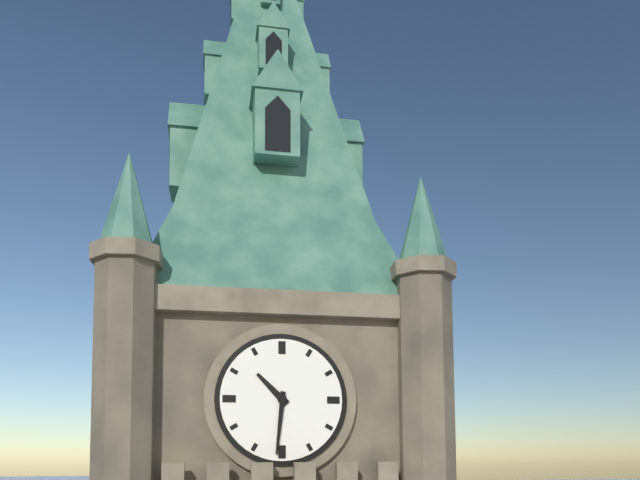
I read 10.31
